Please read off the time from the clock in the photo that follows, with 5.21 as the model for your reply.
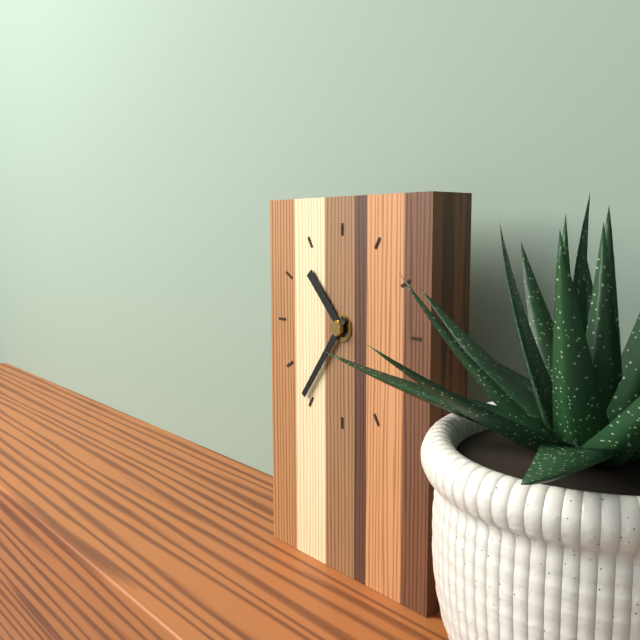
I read 10.36
